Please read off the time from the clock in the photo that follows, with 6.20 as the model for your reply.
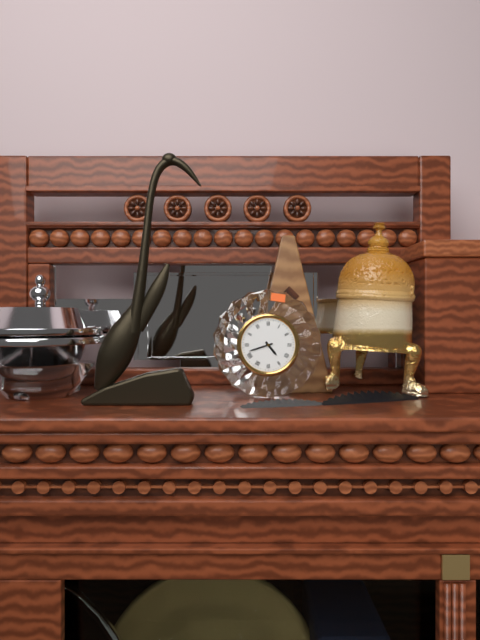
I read 4.42
